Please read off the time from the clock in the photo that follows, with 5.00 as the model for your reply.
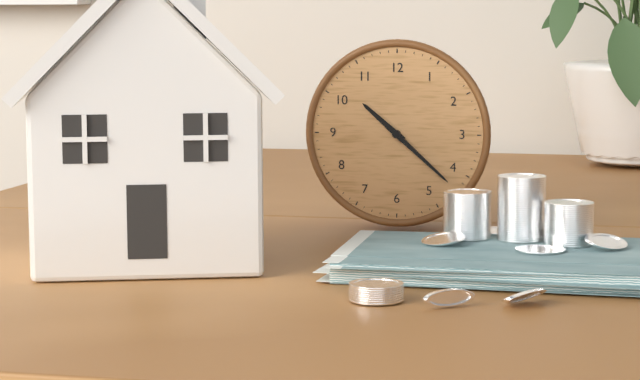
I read 10.22
